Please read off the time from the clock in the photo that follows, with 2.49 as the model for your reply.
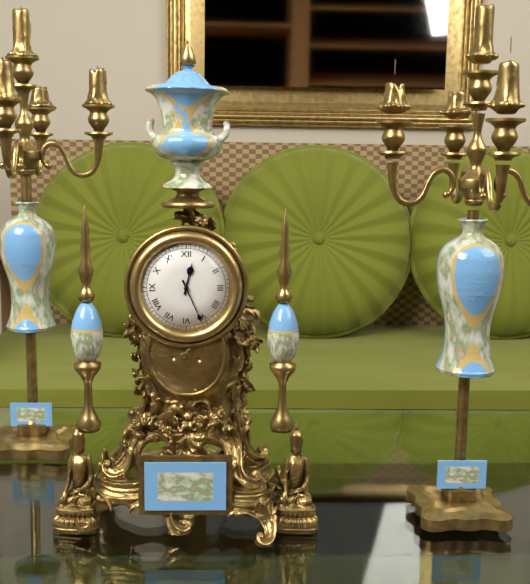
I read 12.26
